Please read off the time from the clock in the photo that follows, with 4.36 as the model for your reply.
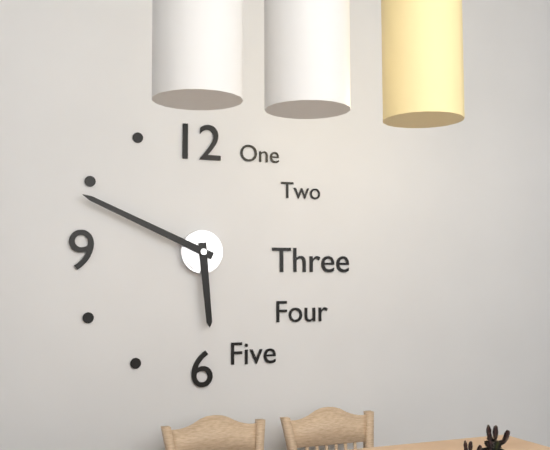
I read 5.49
